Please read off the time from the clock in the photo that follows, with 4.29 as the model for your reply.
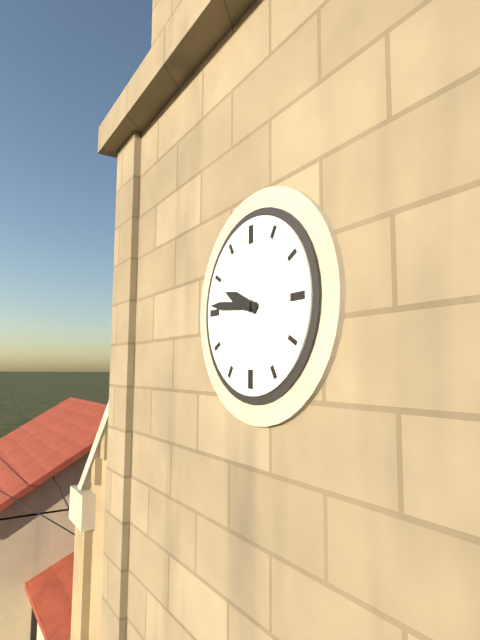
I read 9.46
